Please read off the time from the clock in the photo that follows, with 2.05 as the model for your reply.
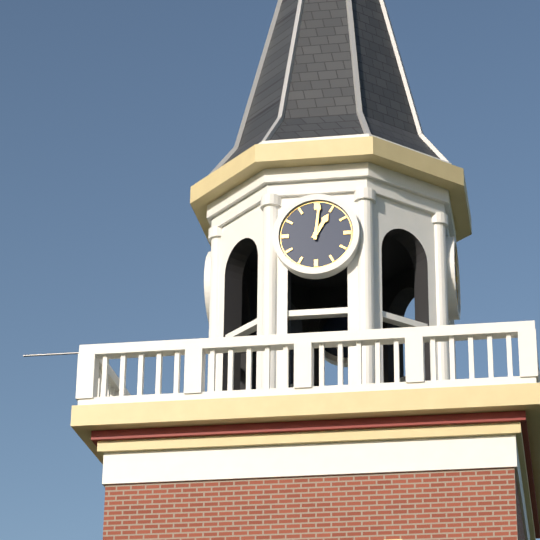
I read 1.01
